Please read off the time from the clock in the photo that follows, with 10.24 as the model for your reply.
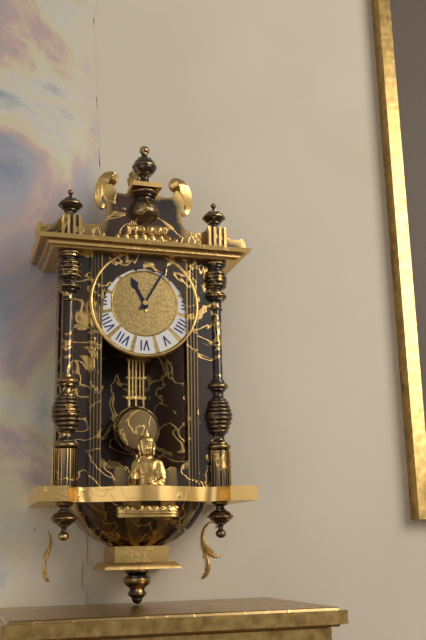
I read 11.05
